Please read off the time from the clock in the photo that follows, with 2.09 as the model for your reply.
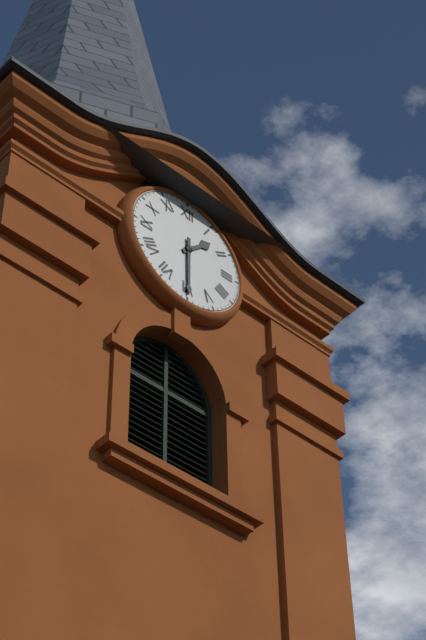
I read 1.30
